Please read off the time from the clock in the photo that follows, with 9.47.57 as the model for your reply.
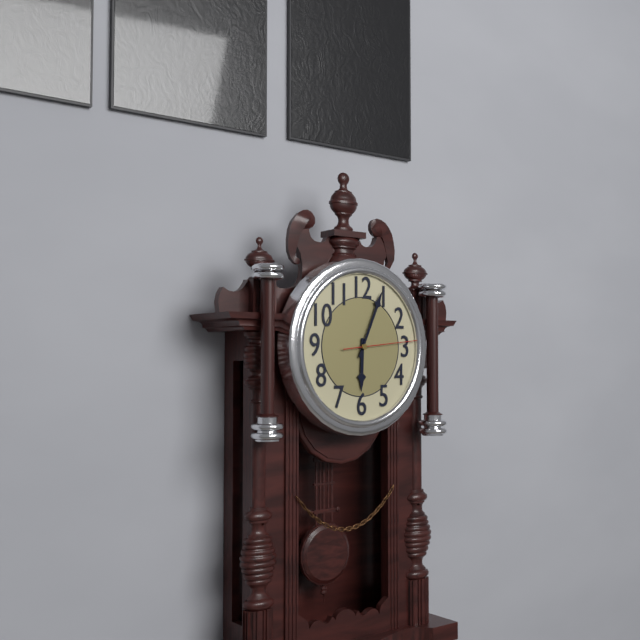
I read 6.04.14
